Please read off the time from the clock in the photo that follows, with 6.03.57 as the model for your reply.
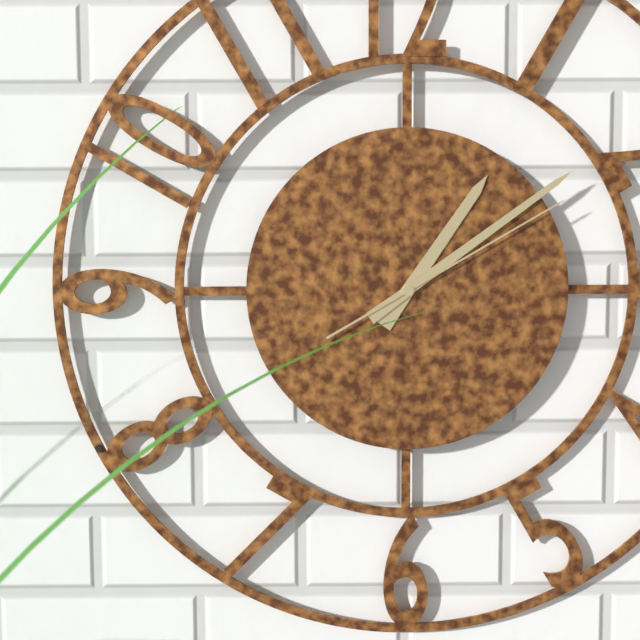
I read 1.09.10
